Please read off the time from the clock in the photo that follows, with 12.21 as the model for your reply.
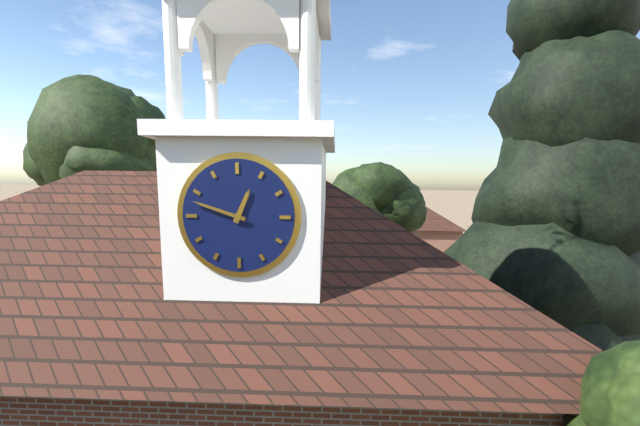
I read 12.48
